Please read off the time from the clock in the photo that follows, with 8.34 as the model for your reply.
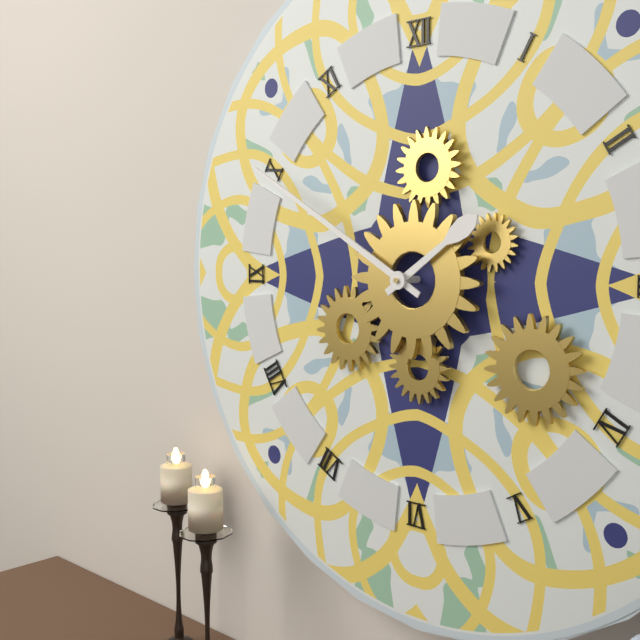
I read 1.50
